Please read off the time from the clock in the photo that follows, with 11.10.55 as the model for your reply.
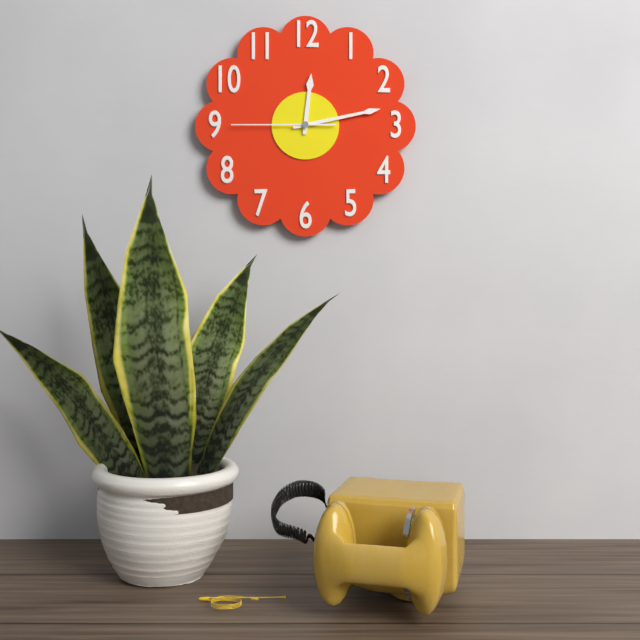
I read 12.13.45
